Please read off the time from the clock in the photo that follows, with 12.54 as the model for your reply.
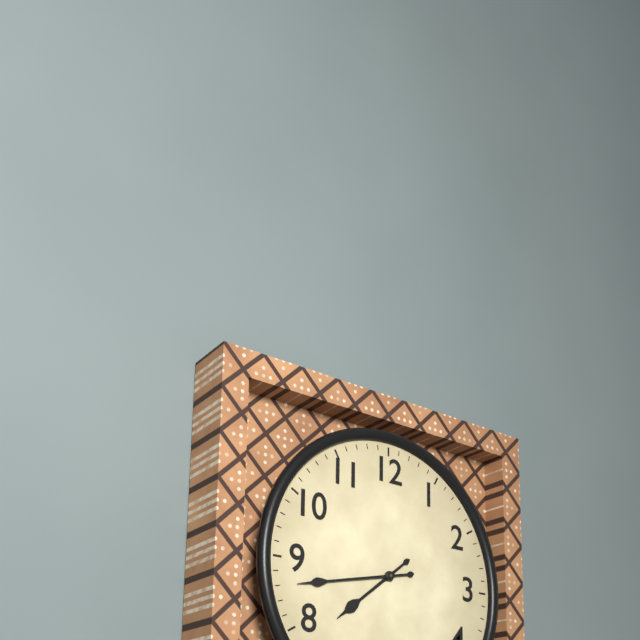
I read 7.43
